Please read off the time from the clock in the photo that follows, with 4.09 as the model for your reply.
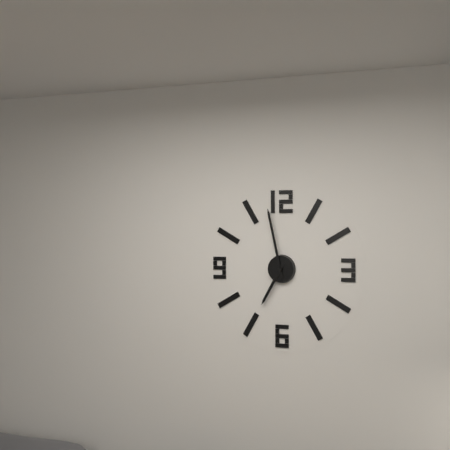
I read 6.58
